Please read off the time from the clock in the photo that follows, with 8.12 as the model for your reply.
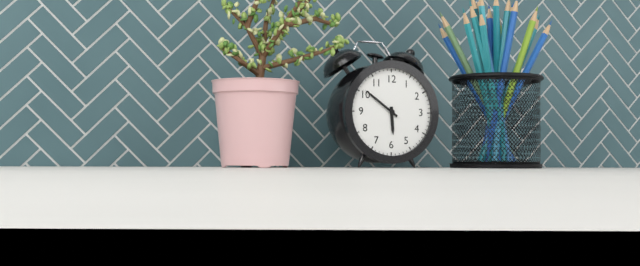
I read 5.51
